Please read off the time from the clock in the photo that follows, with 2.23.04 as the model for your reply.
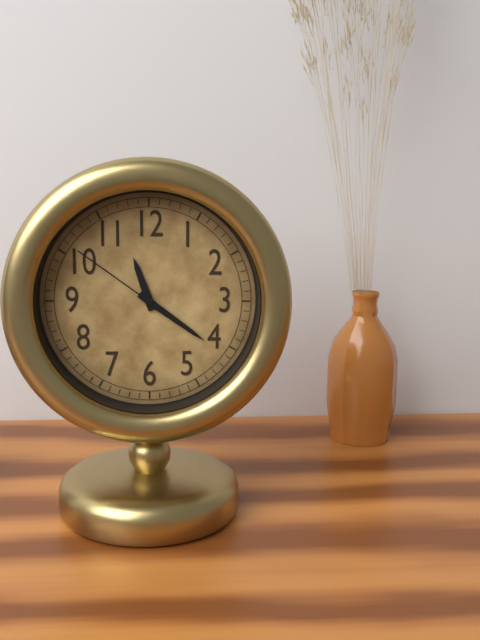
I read 11.21.51
